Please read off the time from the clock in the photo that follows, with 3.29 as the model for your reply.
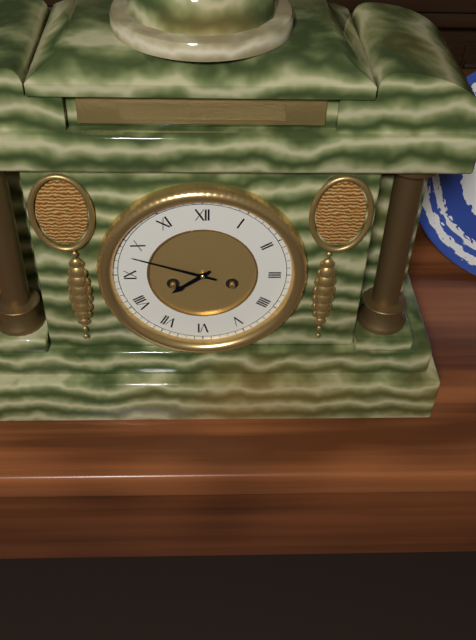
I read 7.48
